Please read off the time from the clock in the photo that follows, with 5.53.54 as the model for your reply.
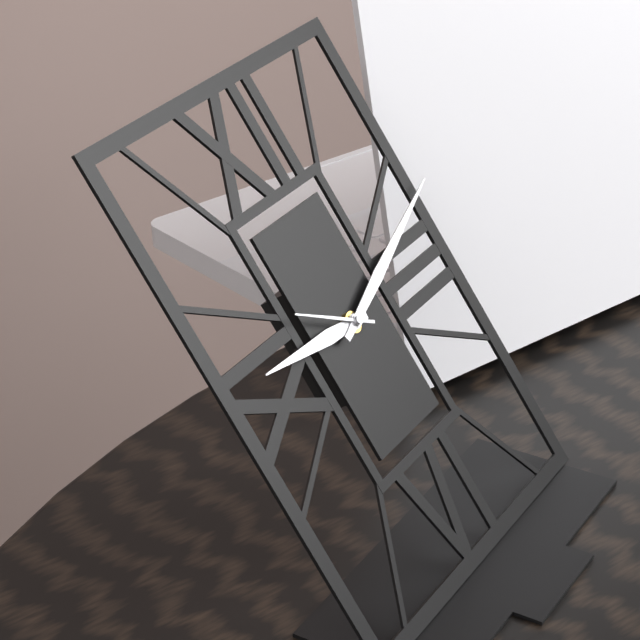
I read 9.12.50
